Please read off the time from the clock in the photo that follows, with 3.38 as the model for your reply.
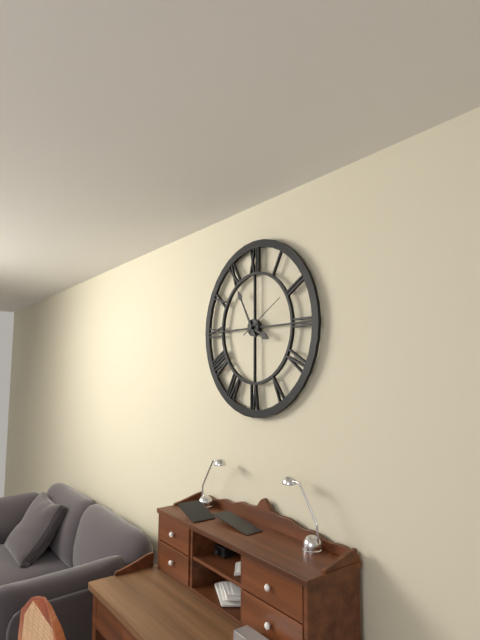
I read 3.55
